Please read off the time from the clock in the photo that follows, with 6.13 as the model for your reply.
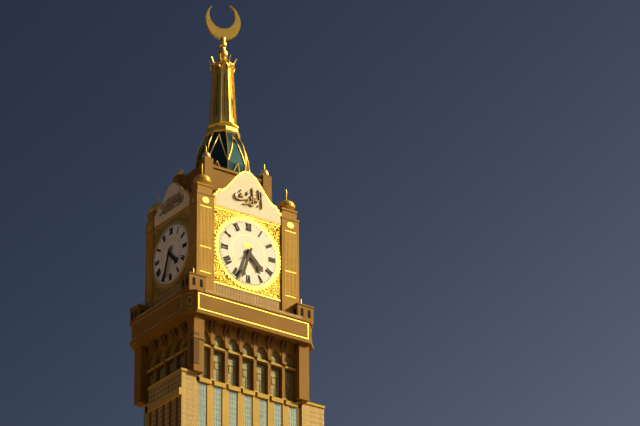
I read 4.33
